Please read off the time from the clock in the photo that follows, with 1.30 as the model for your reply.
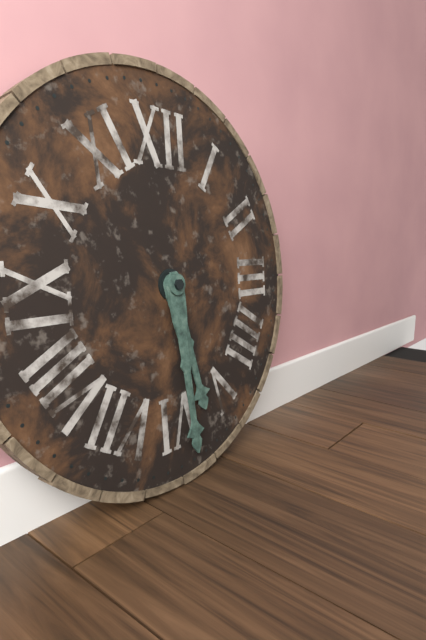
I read 5.29
